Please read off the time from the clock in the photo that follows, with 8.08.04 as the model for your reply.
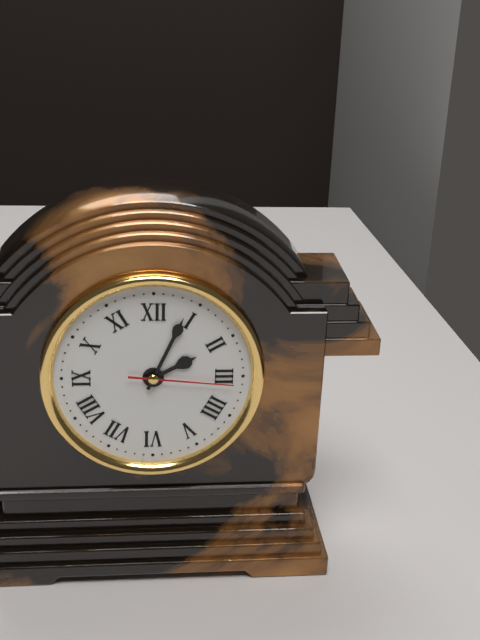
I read 2.04.16
